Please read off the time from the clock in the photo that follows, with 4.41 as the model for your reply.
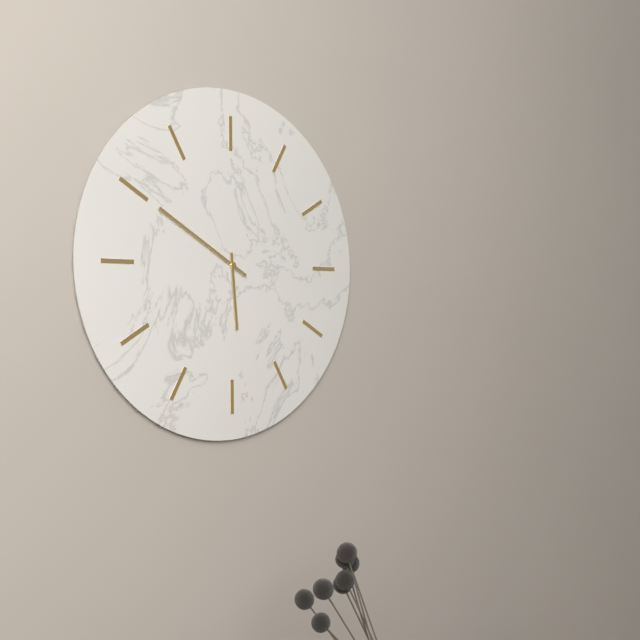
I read 5.50
